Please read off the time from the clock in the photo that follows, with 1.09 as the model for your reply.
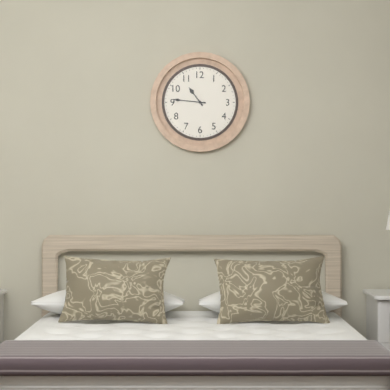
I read 10.46
